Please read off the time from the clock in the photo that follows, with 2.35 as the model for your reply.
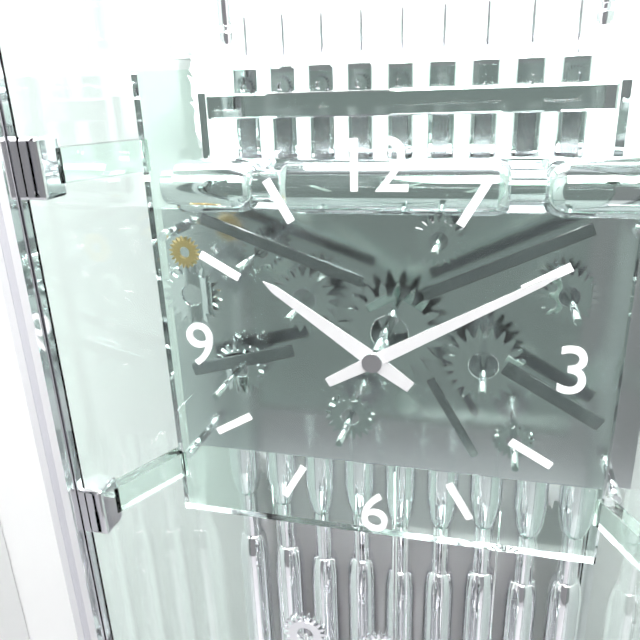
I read 10.10
